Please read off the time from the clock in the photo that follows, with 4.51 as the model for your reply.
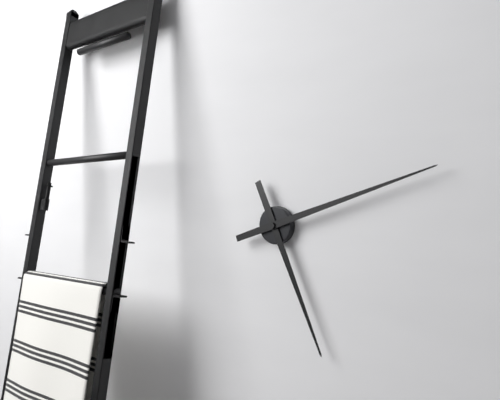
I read 5.12
